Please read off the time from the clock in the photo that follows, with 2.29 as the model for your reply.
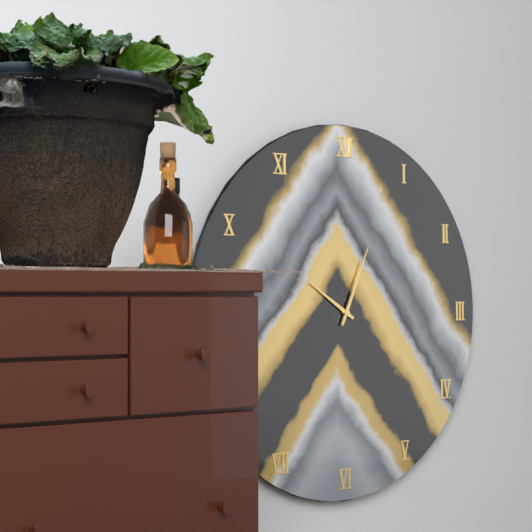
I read 10.04
